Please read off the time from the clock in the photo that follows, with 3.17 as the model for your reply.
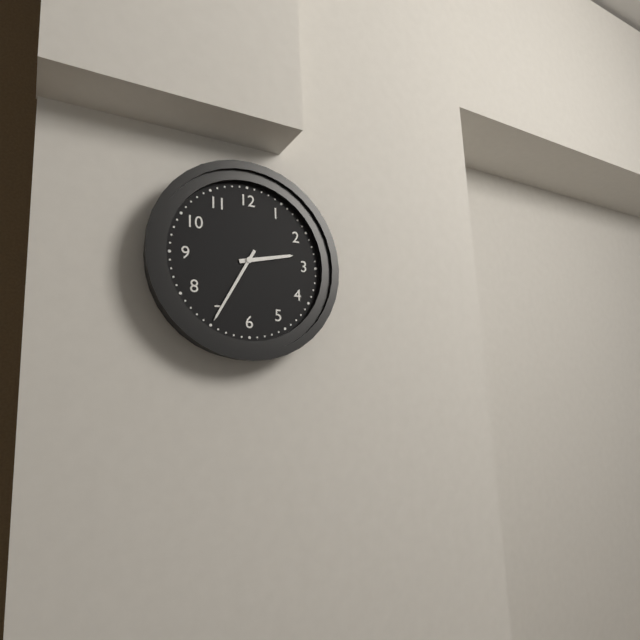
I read 2.35
